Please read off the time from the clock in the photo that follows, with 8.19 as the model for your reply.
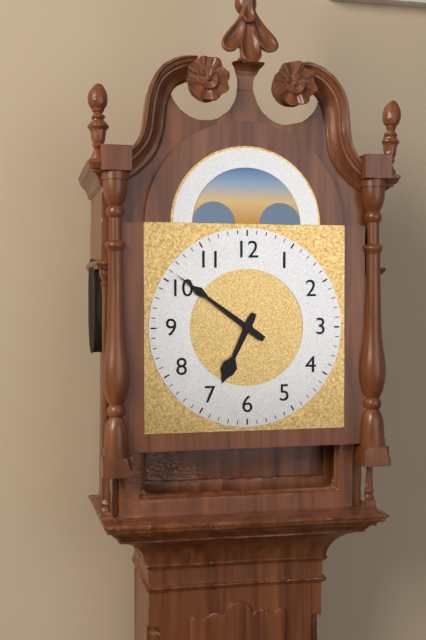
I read 6.51
